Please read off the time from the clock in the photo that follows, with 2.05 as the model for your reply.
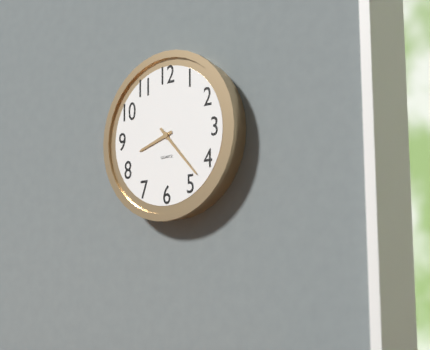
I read 8.23
